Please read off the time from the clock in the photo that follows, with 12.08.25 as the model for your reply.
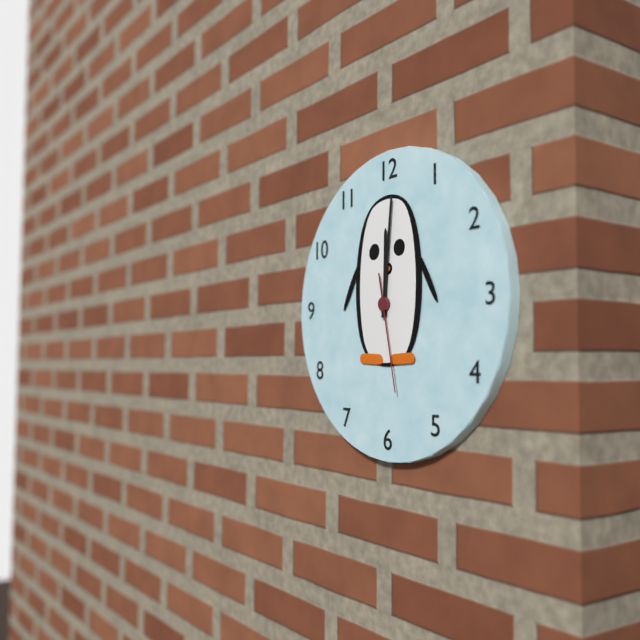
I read 12.01.28
